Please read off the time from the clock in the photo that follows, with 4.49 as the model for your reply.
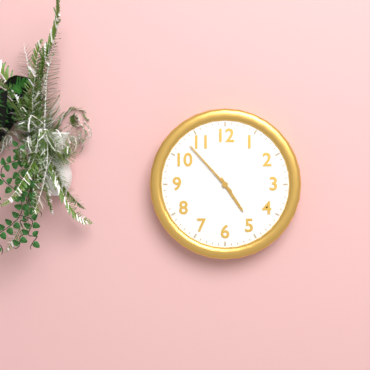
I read 4.53
